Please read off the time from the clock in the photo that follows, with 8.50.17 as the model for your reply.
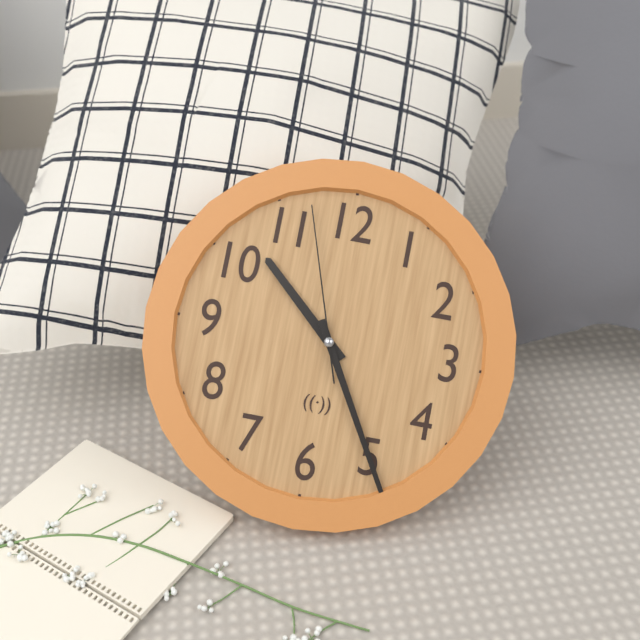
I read 10.25.57
